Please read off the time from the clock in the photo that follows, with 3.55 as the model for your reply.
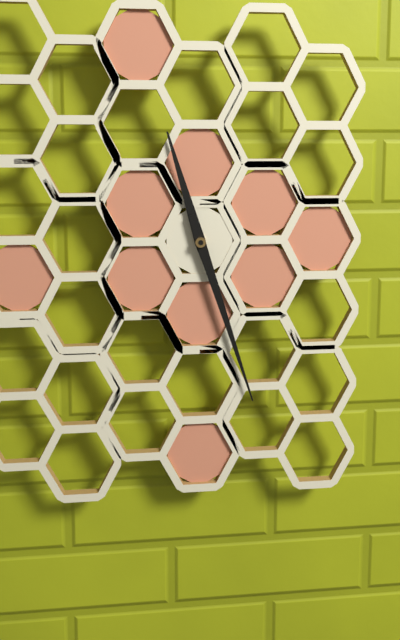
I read 11.27
